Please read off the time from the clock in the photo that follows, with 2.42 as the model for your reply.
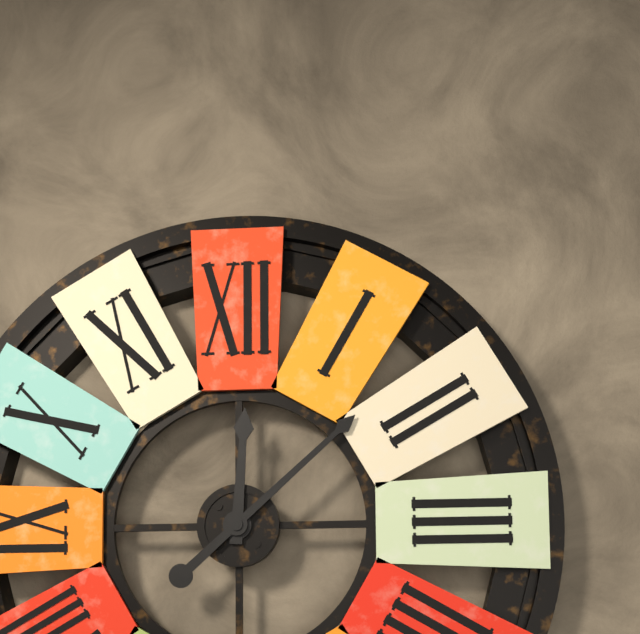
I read 12.08
